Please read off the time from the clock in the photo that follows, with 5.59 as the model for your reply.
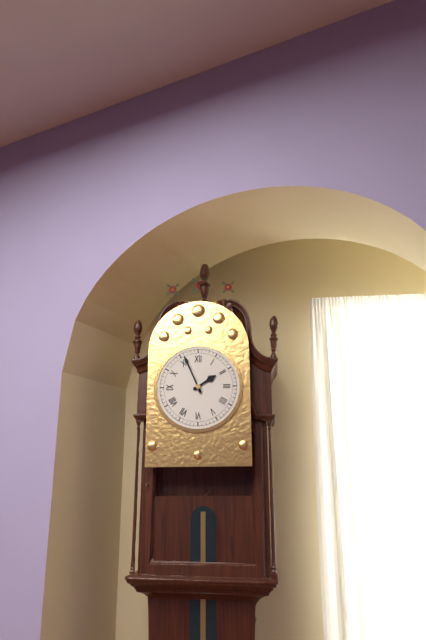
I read 1.56
